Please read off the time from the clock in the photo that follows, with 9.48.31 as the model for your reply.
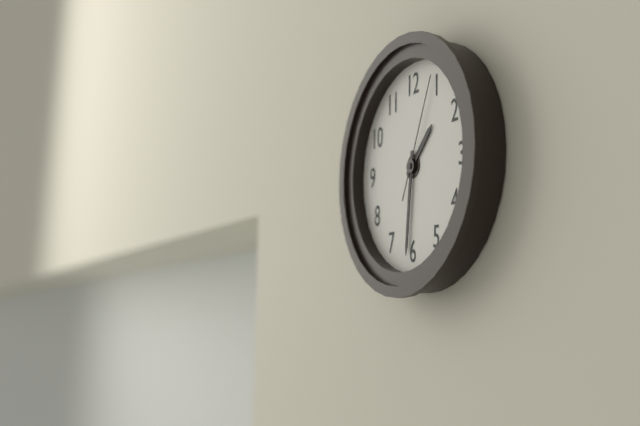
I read 1.31.04
